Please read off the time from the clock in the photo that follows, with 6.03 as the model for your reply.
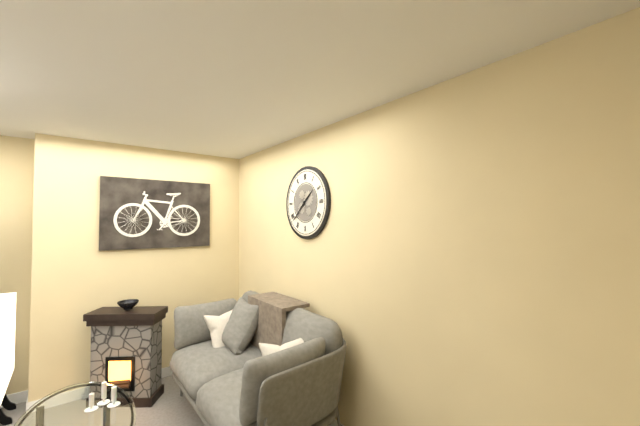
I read 1.38
